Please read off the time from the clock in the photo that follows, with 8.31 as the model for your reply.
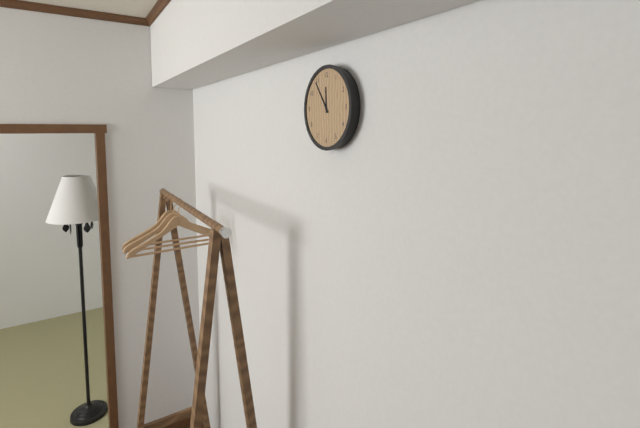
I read 11.54
